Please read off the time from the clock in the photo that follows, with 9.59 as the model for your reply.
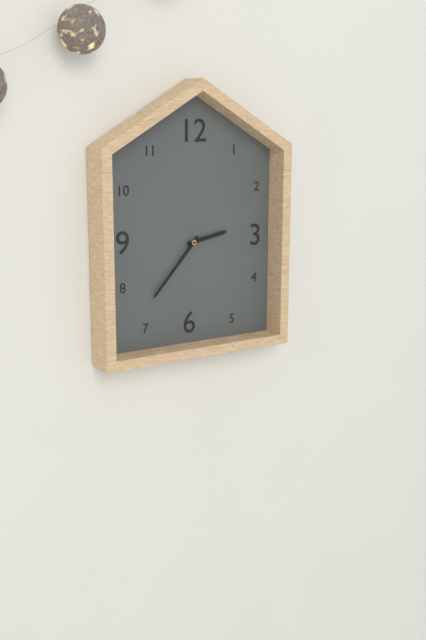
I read 2.37
